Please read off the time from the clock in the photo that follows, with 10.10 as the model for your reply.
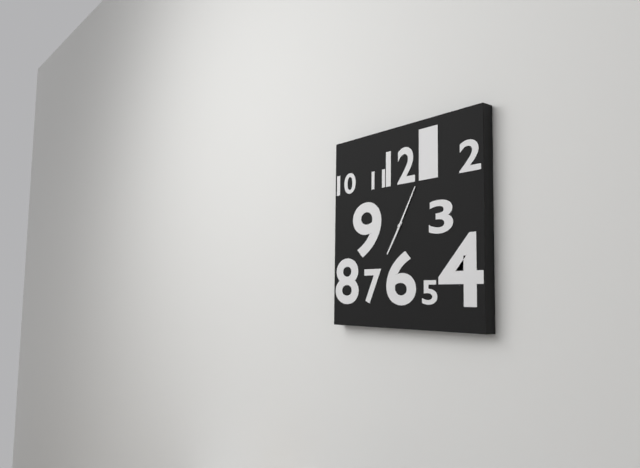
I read 7.05
